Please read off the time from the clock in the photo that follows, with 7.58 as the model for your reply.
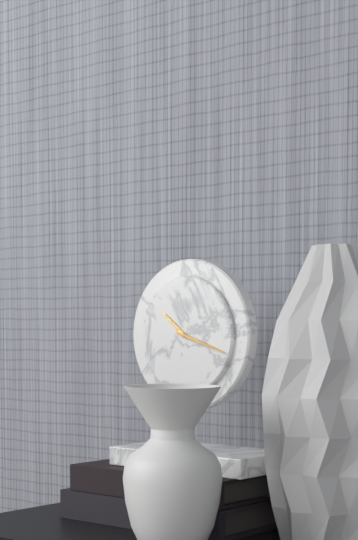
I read 10.18
